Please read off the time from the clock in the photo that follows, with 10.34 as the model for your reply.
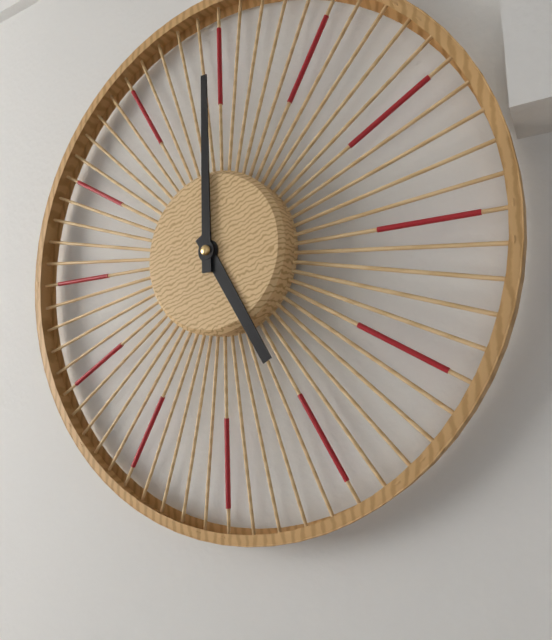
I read 5.00
